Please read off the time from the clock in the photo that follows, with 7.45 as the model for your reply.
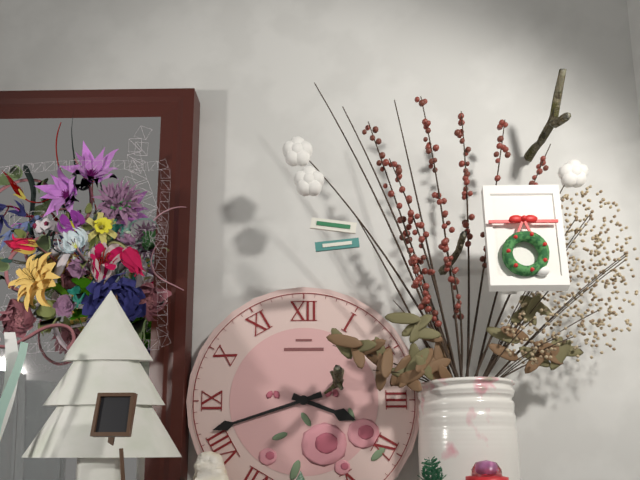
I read 3.42
